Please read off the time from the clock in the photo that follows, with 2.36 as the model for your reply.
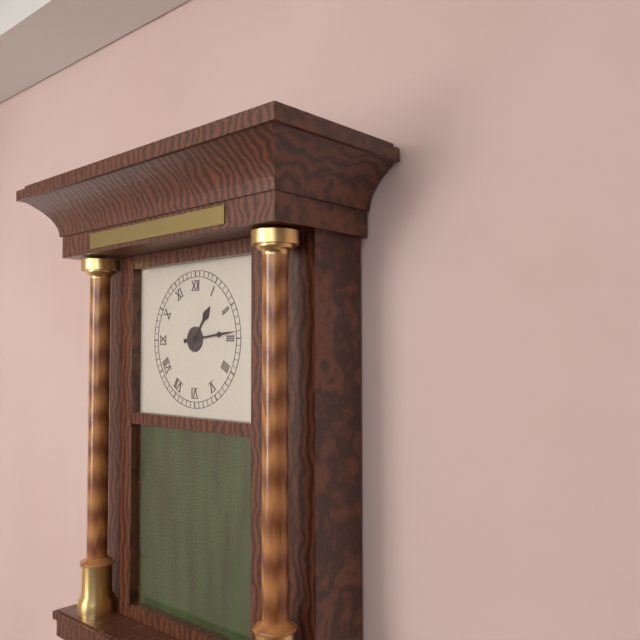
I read 1.14
